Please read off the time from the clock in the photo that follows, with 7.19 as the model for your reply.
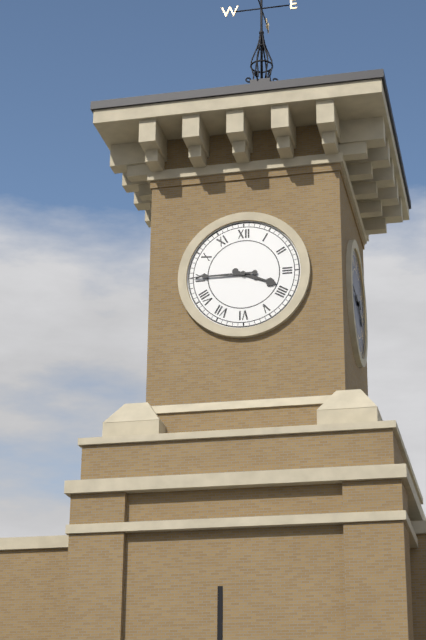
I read 3.45
